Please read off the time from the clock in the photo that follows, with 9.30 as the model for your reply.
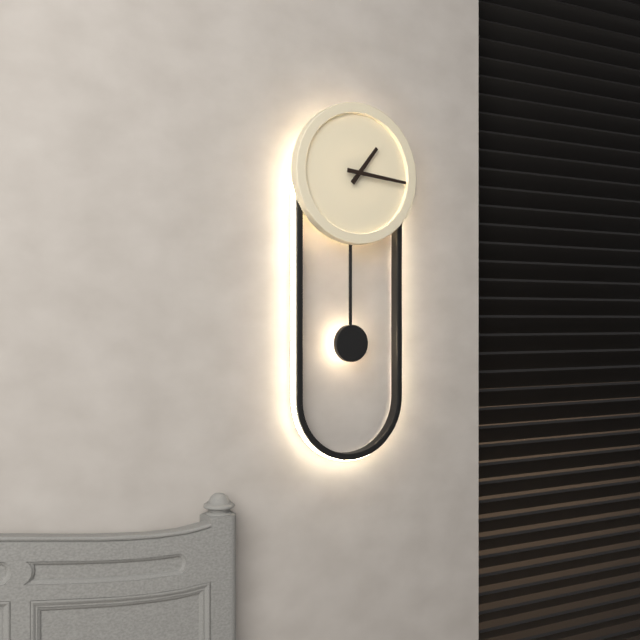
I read 1.16
